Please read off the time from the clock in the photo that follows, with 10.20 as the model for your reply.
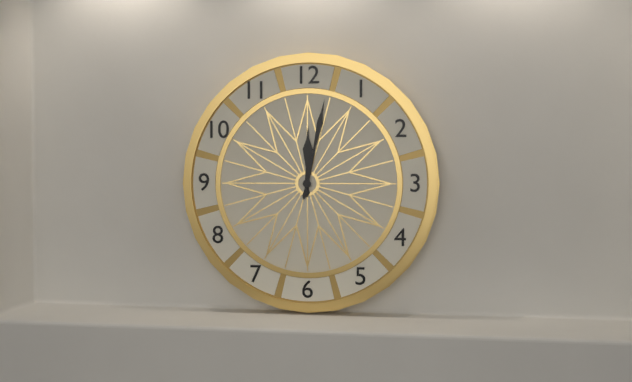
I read 12.02
